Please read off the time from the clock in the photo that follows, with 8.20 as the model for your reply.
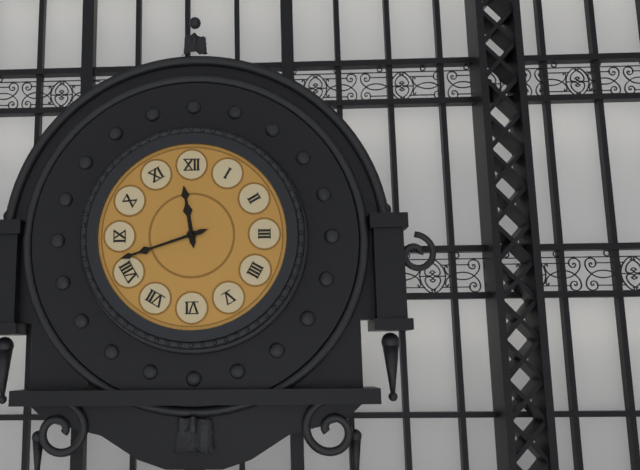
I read 11.42
